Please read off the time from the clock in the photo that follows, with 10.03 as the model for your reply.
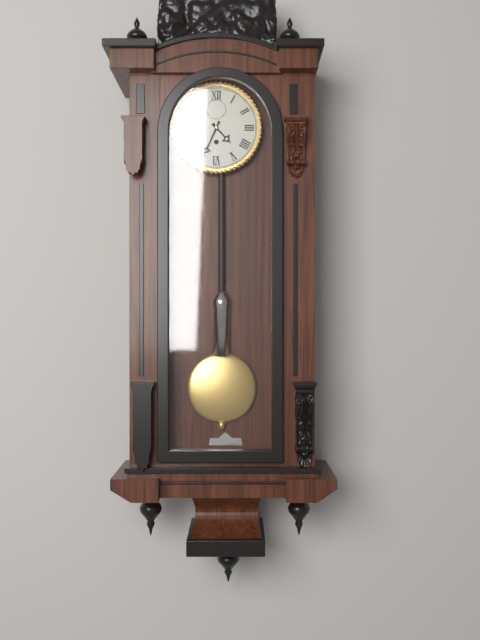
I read 4.34
